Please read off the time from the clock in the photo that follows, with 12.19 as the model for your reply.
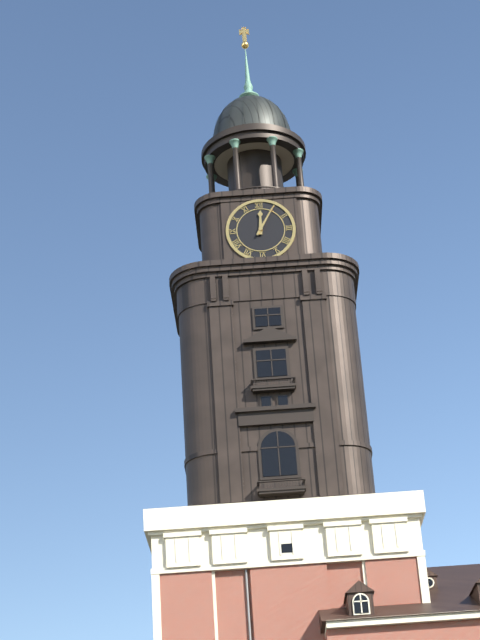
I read 12.05
